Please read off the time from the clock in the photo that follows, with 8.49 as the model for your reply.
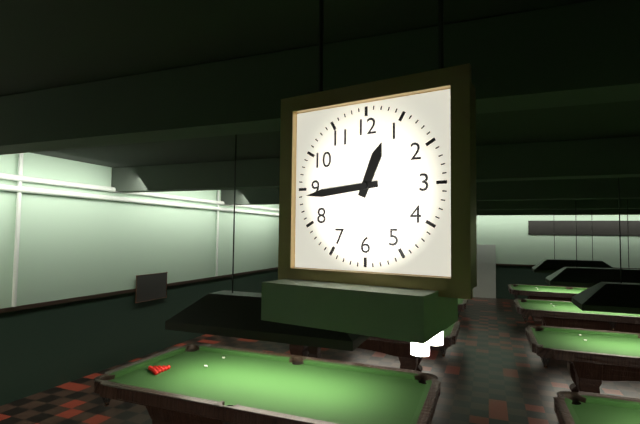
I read 12.44
